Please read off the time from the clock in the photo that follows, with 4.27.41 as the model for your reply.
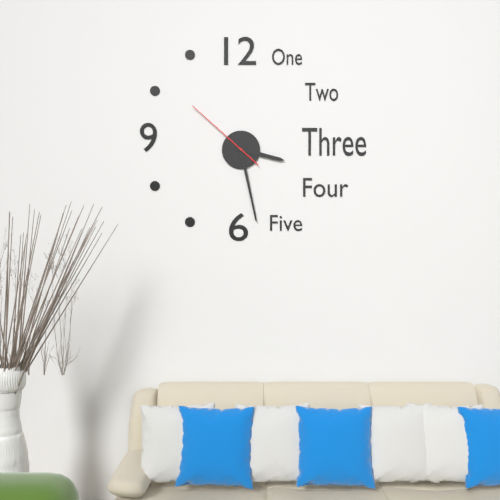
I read 3.28.52
